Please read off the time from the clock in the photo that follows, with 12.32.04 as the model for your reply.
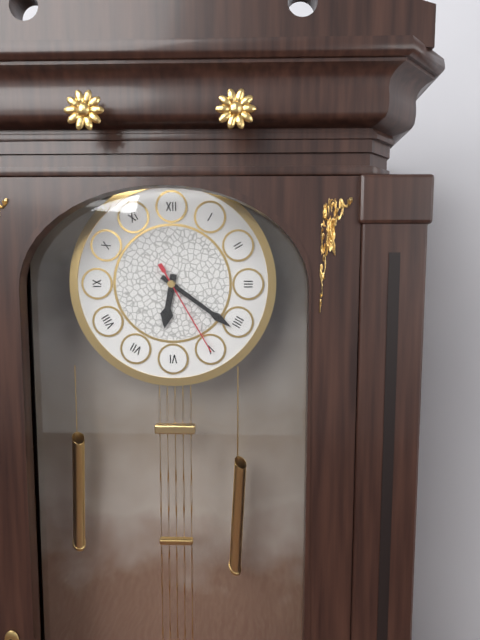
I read 6.21.25
